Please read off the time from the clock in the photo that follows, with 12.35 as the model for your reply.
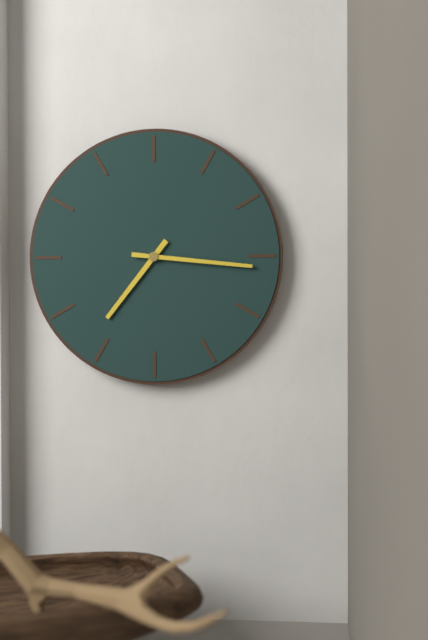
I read 7.16
